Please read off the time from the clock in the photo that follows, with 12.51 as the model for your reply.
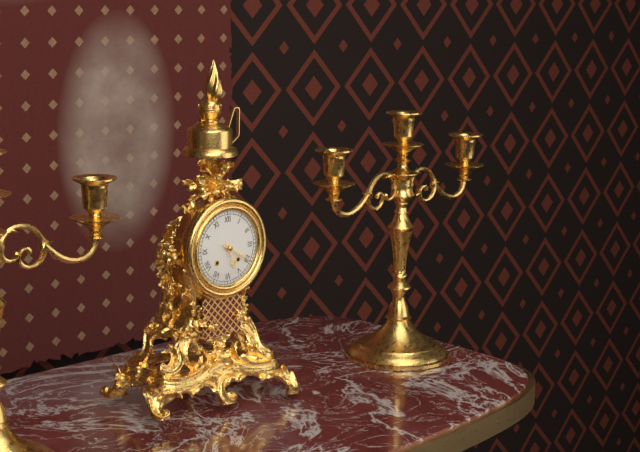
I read 5.20
